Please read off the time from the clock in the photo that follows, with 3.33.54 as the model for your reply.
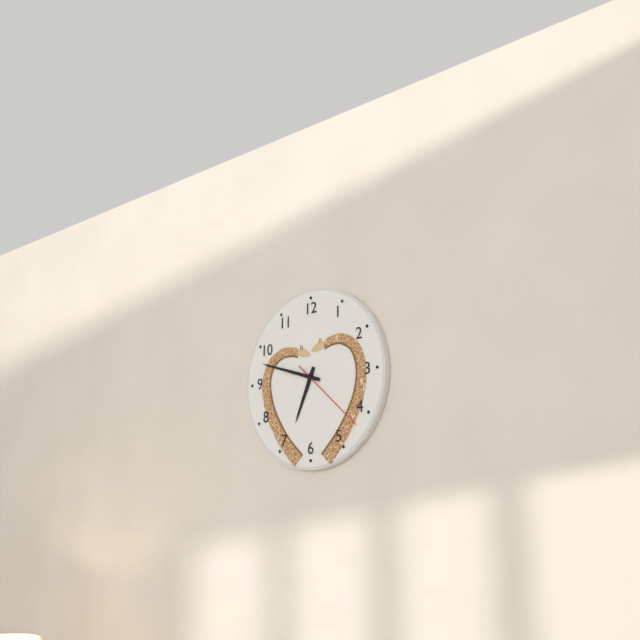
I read 6.48.22
